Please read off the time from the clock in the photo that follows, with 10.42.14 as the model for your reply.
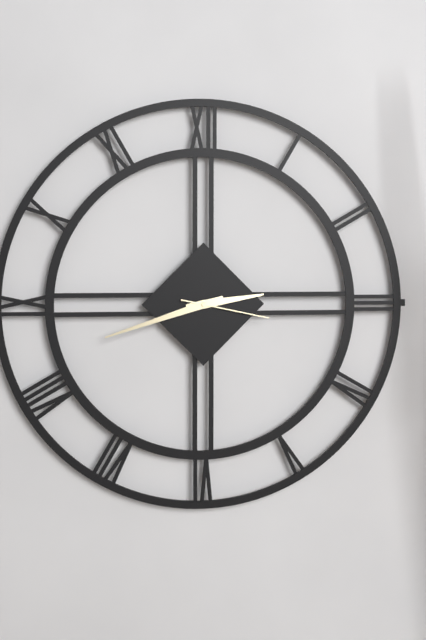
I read 2.42.17
